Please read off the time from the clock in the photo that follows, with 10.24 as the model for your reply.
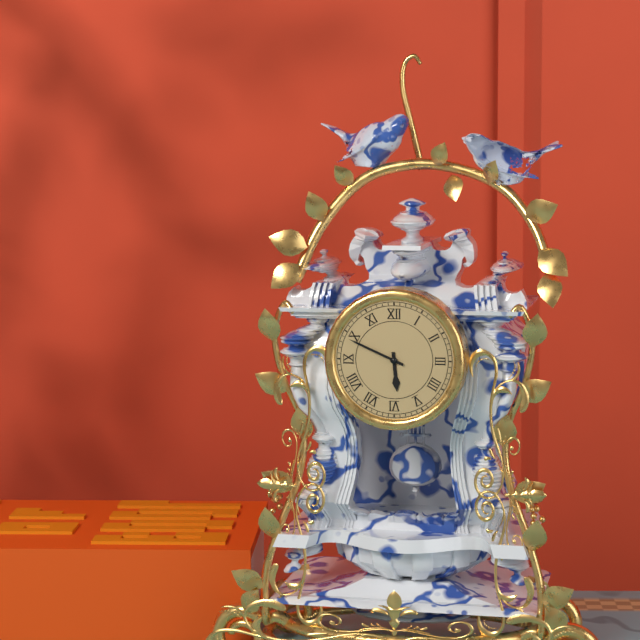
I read 5.49
